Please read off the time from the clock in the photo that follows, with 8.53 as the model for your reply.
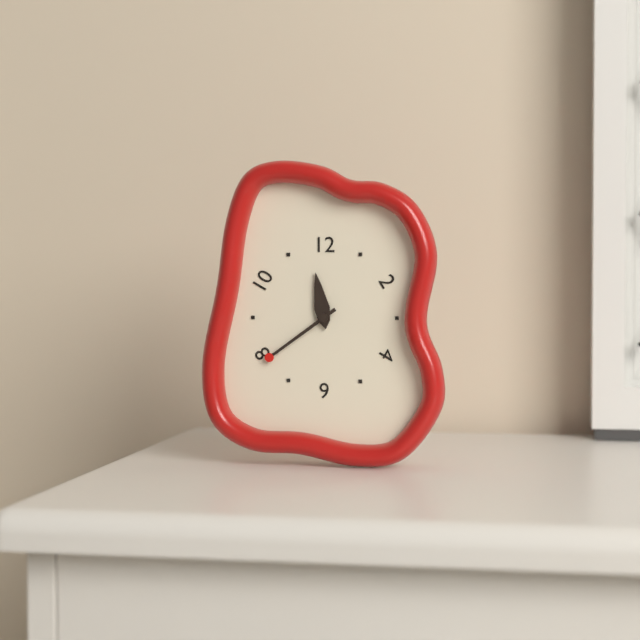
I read 11.39
